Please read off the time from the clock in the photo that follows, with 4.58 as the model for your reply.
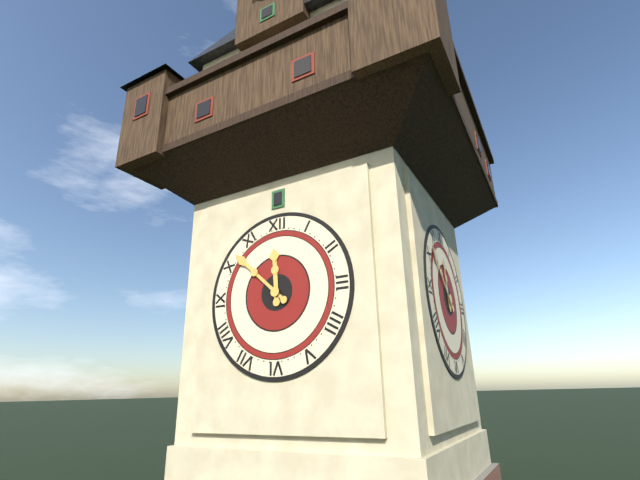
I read 11.52
